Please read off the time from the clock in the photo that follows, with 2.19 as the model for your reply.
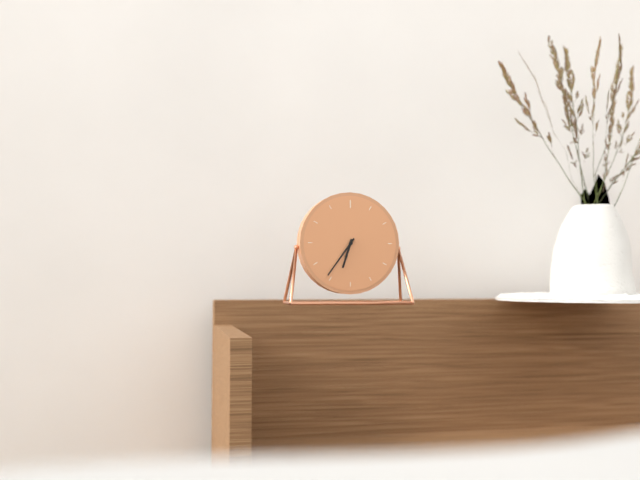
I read 6.36
